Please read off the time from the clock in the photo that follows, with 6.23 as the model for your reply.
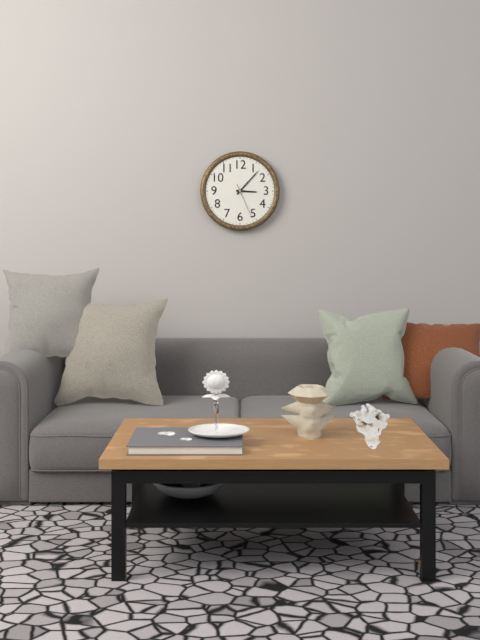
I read 3.07
